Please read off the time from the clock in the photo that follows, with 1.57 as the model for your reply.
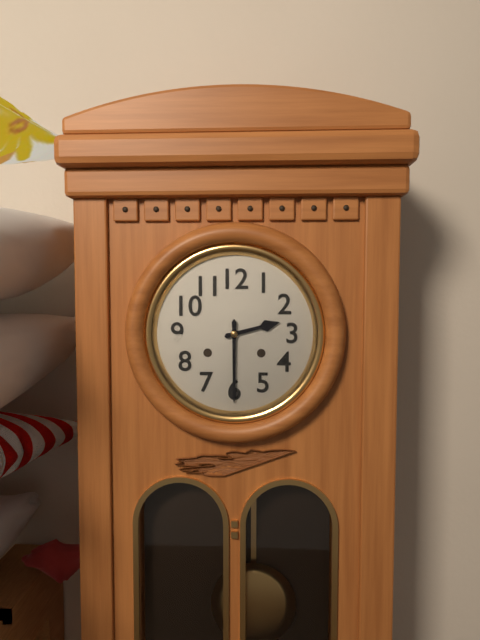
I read 2.30
